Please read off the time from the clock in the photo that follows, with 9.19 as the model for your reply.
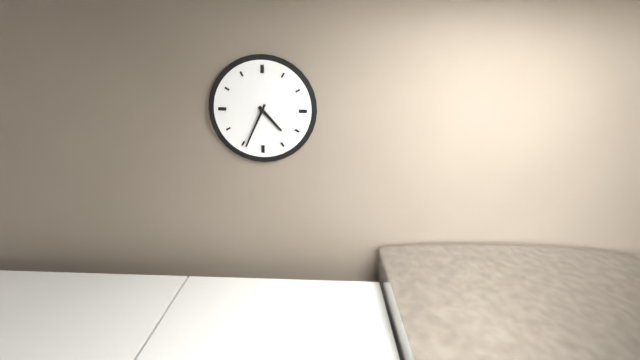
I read 4.34
